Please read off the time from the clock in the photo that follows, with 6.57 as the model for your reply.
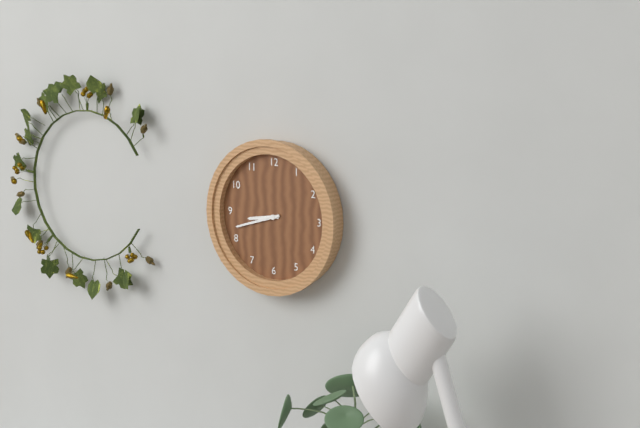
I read 8.42
